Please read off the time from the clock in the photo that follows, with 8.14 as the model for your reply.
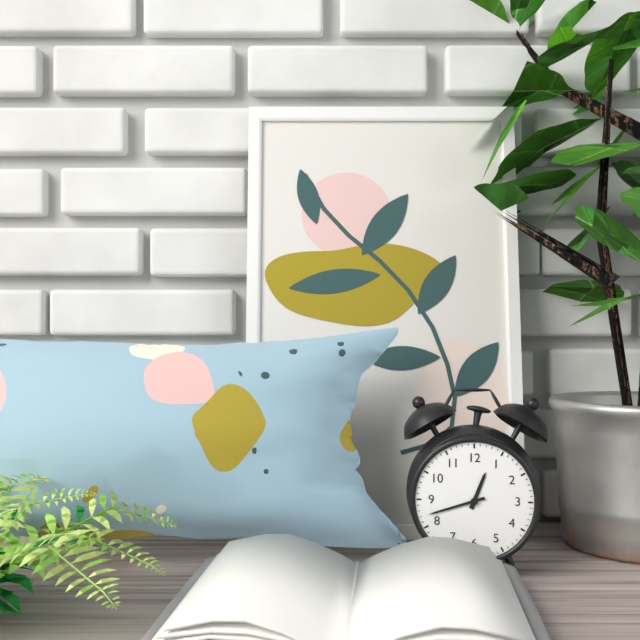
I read 12.42
